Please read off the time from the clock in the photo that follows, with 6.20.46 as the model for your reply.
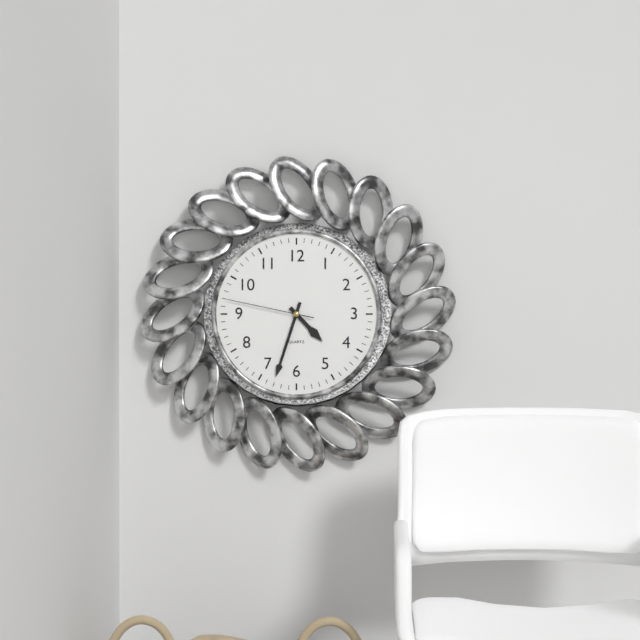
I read 4.33.47
